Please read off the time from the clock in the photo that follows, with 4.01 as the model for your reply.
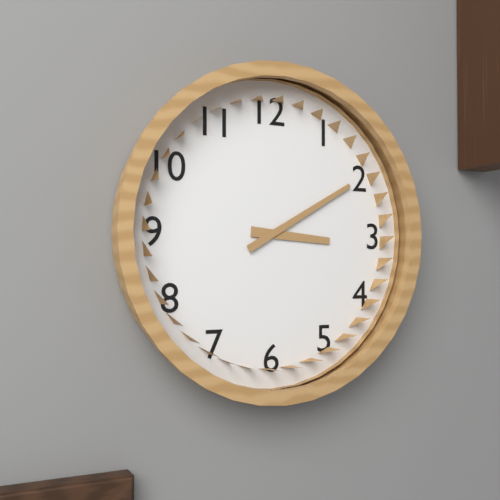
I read 3.10
